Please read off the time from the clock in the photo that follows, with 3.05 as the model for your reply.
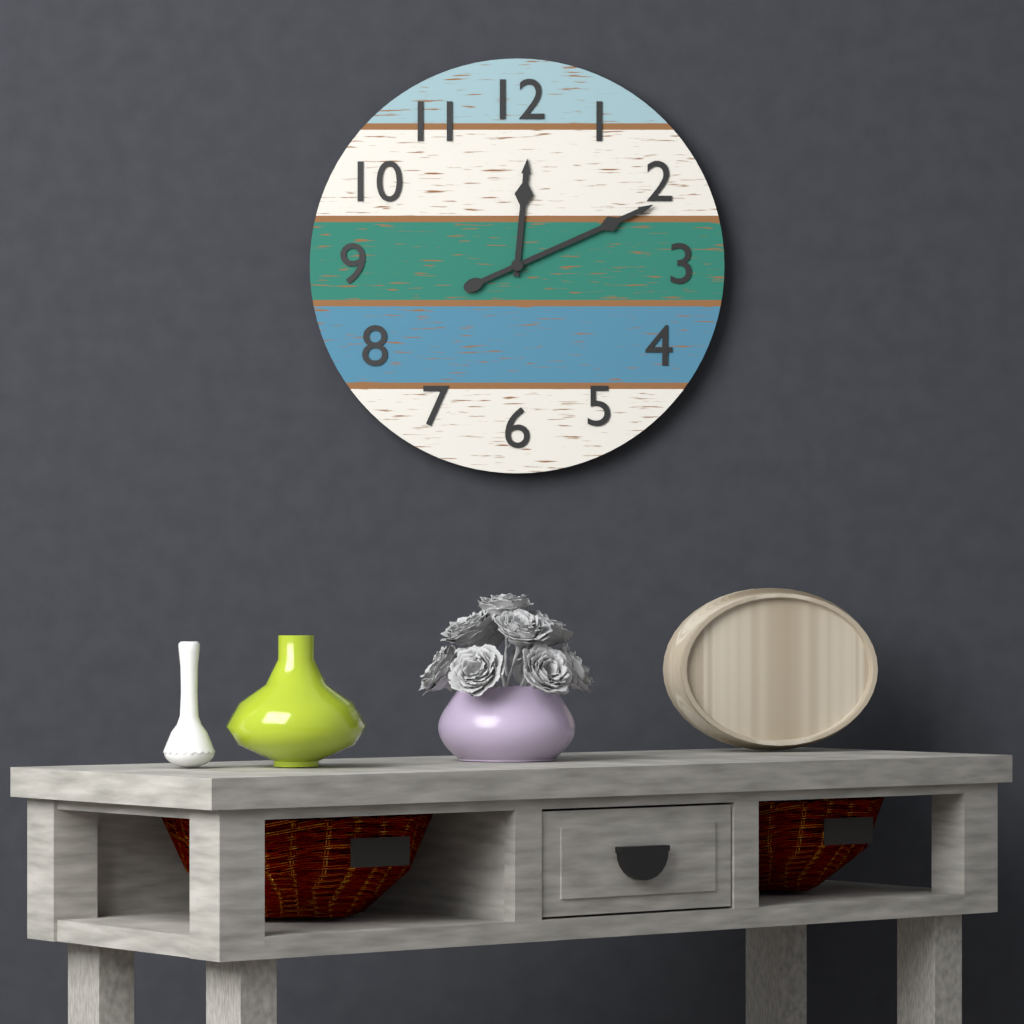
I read 12.11
